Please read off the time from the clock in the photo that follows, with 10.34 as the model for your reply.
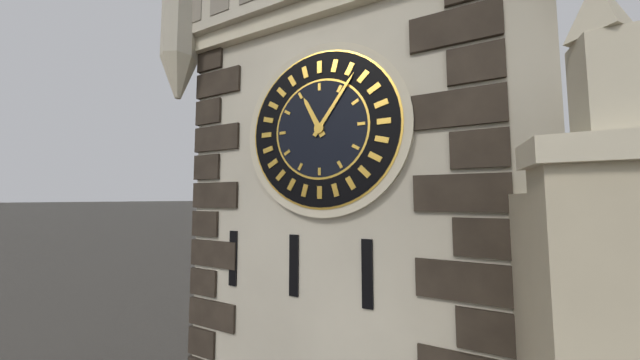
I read 11.06
